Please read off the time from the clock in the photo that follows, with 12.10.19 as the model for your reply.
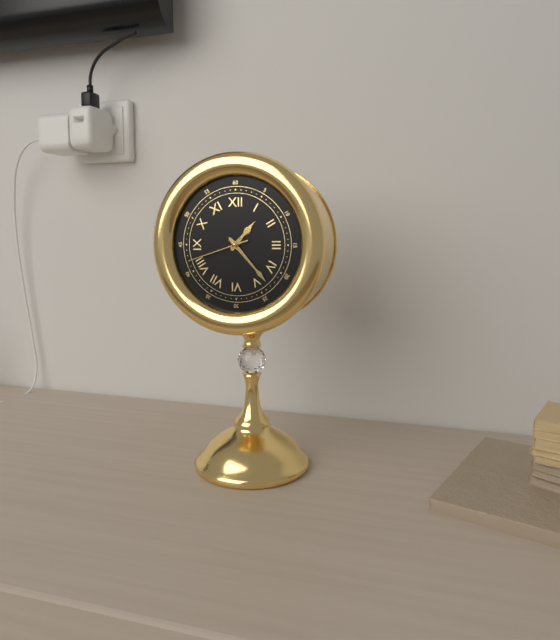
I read 1.23.42
